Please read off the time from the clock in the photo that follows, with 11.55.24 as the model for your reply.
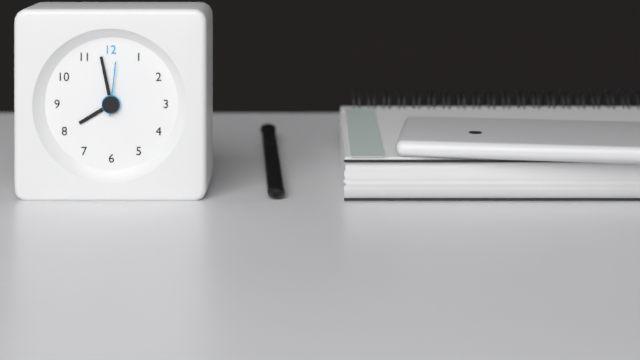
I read 7.58.01
